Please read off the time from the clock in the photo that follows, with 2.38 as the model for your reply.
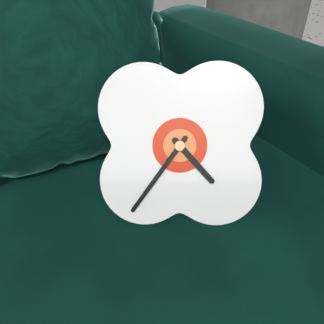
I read 4.36
